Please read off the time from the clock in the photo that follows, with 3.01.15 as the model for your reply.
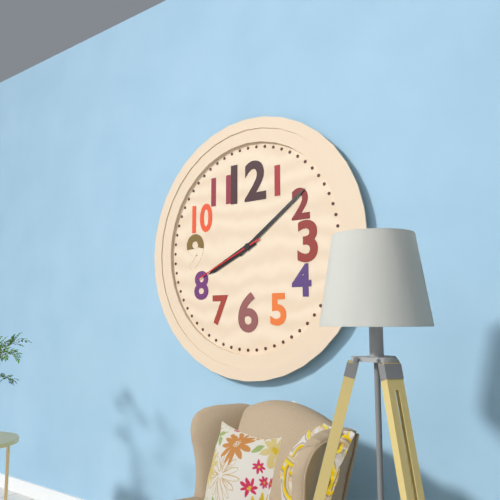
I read 8.09.41
